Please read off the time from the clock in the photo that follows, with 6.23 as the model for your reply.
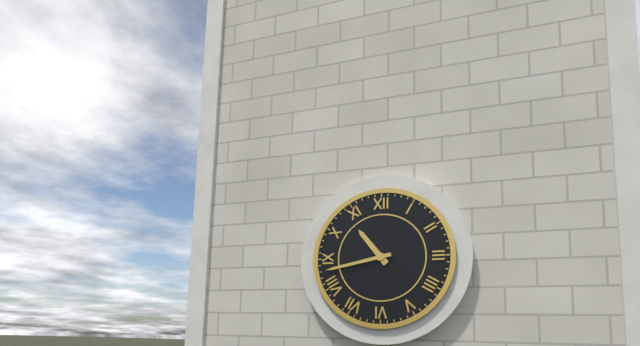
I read 10.43
